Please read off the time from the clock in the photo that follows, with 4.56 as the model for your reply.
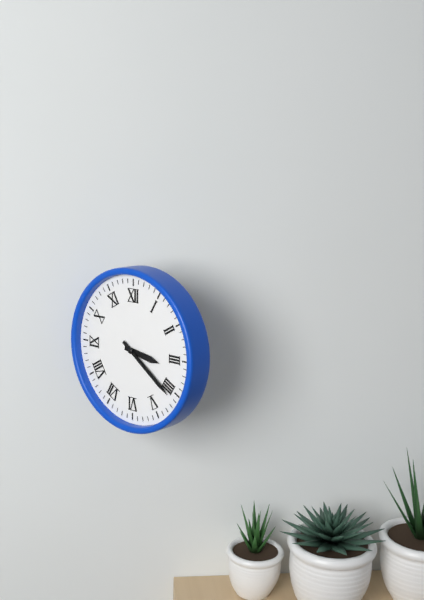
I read 3.21
